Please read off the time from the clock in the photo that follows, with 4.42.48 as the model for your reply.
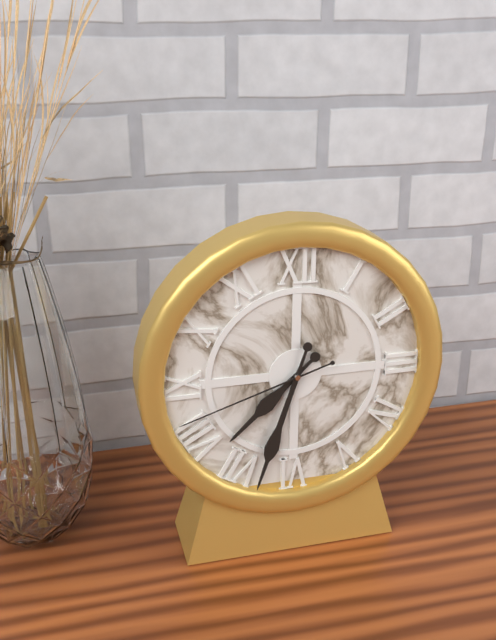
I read 7.33.42
